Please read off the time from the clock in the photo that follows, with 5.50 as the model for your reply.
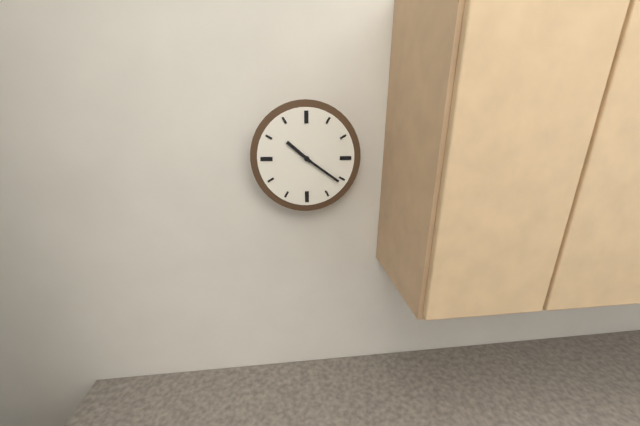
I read 10.21
